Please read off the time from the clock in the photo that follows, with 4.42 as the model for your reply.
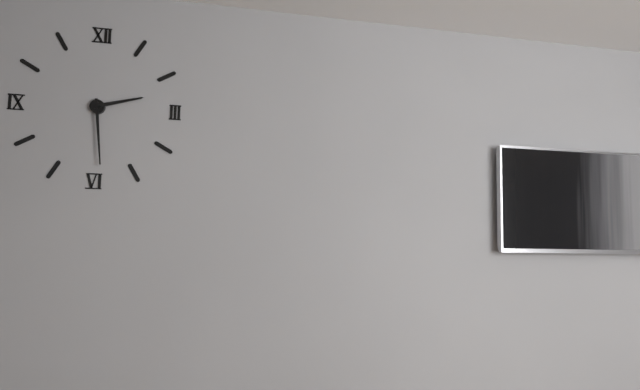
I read 2.29
